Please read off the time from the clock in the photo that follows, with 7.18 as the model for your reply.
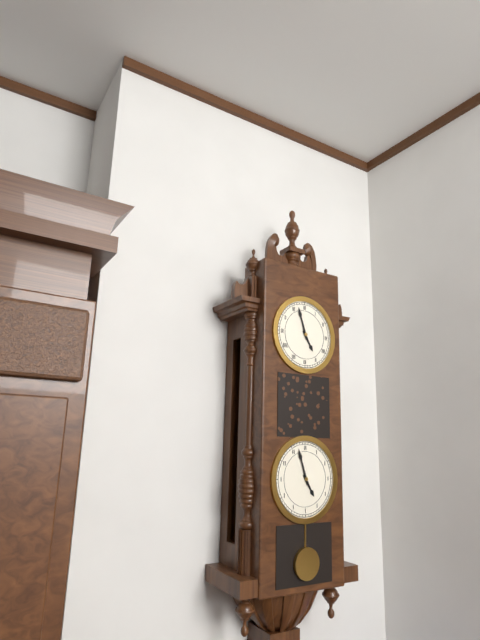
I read 4.57
